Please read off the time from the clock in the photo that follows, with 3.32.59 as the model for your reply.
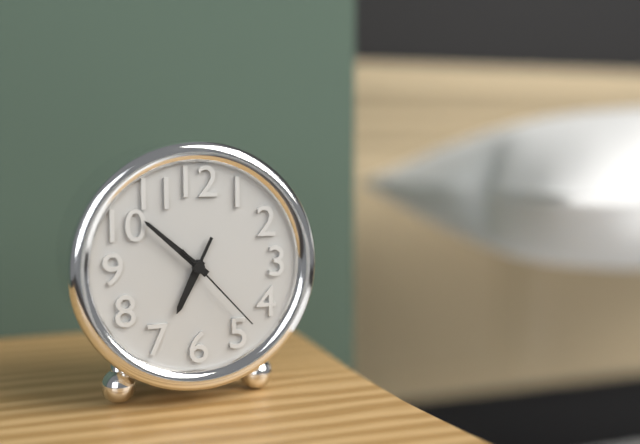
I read 6.52.23
